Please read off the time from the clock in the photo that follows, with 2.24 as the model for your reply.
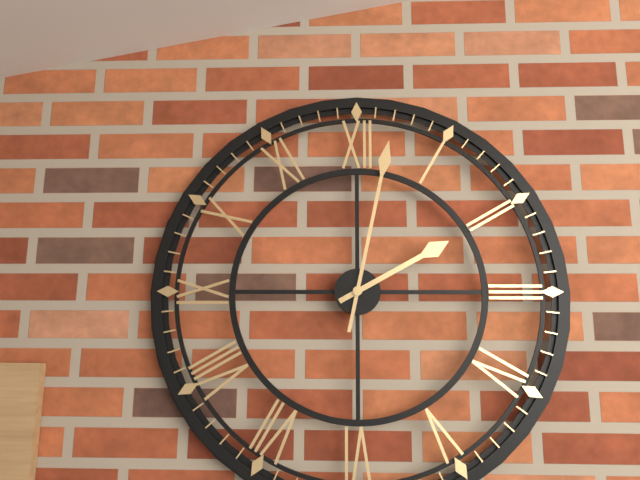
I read 2.02
